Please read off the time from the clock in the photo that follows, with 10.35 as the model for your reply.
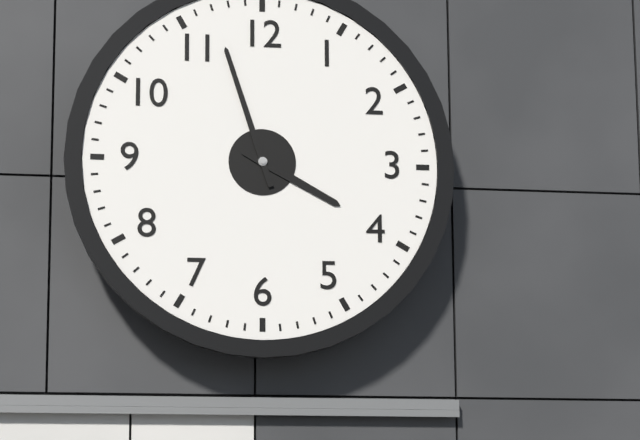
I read 3.57
